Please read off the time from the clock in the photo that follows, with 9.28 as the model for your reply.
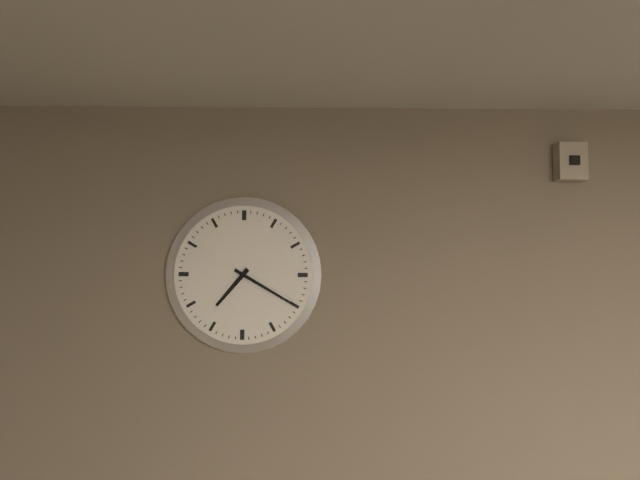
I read 7.20
